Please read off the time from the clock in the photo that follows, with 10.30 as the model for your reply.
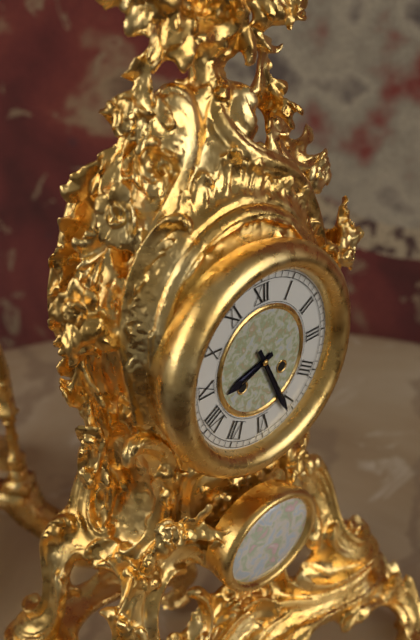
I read 8.26
